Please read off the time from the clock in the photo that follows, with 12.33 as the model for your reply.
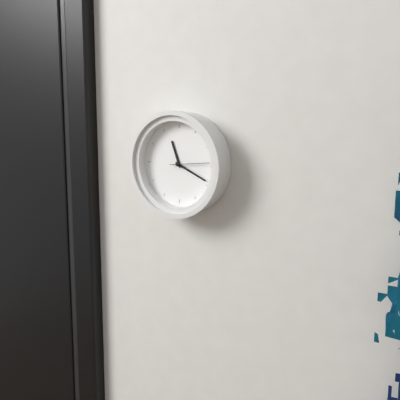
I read 11.19
